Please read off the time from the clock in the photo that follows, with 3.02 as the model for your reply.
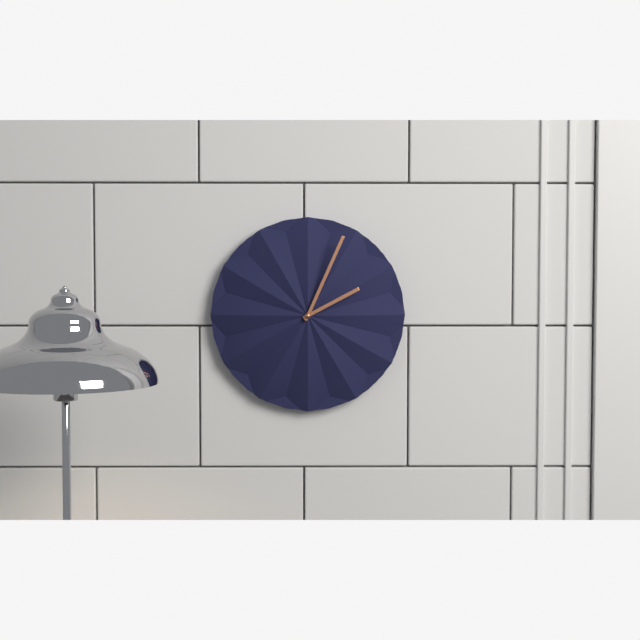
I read 2.04
